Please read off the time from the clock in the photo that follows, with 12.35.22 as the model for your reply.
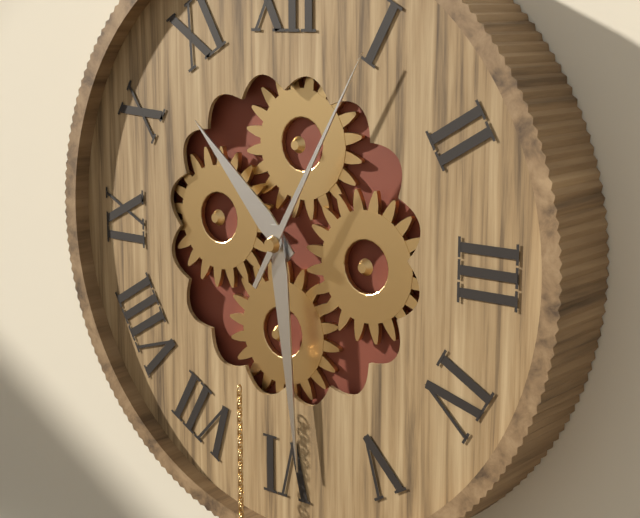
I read 10.29.05
